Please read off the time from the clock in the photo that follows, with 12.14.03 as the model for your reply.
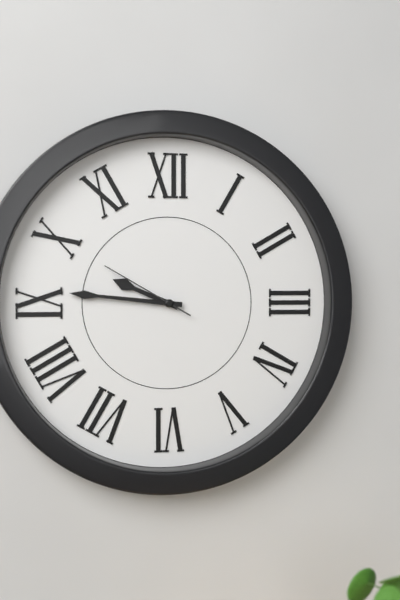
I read 9.46.50
